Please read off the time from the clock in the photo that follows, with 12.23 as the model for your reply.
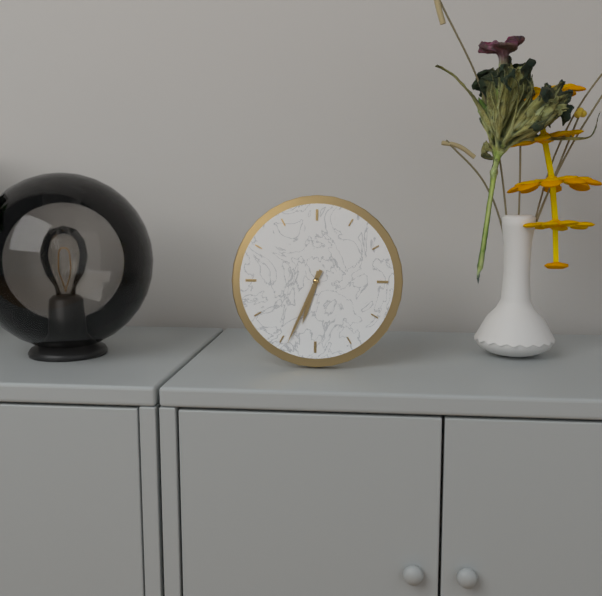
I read 6.34
